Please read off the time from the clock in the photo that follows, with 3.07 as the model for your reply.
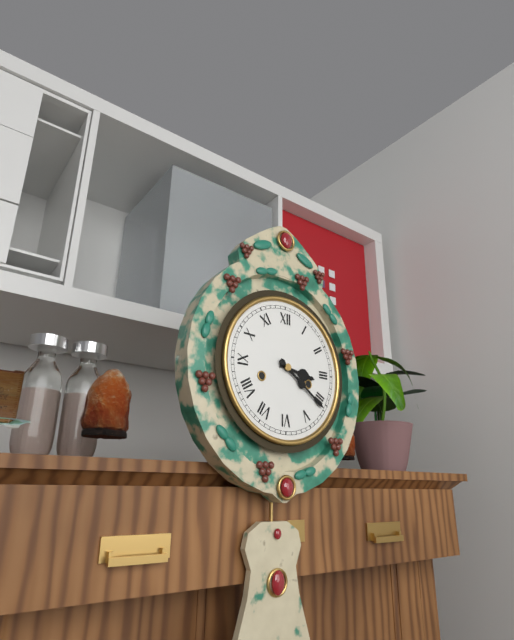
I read 3.21
